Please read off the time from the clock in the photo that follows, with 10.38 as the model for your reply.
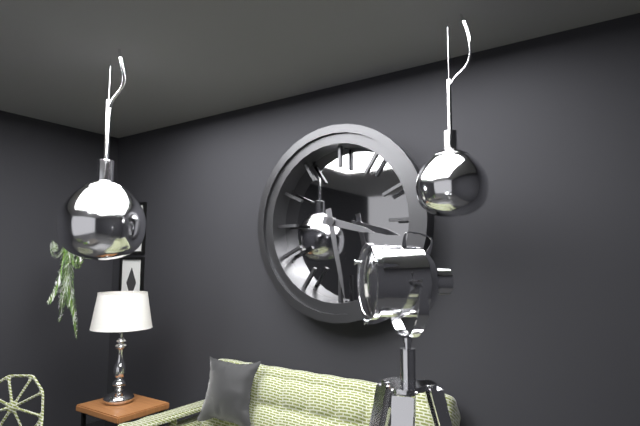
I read 3.28
